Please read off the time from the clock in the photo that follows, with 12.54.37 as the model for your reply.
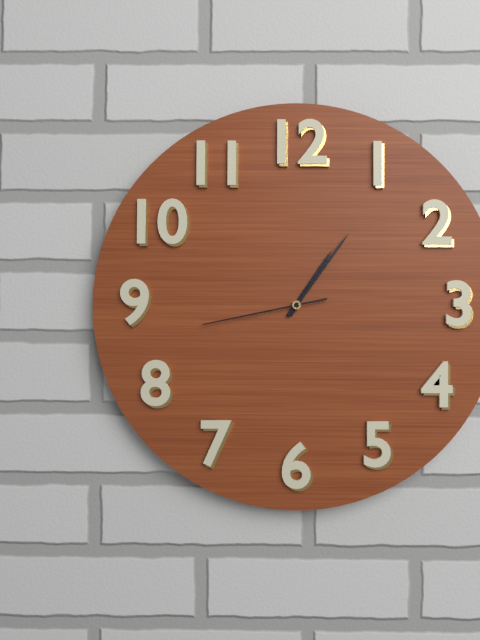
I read 1.06.43
